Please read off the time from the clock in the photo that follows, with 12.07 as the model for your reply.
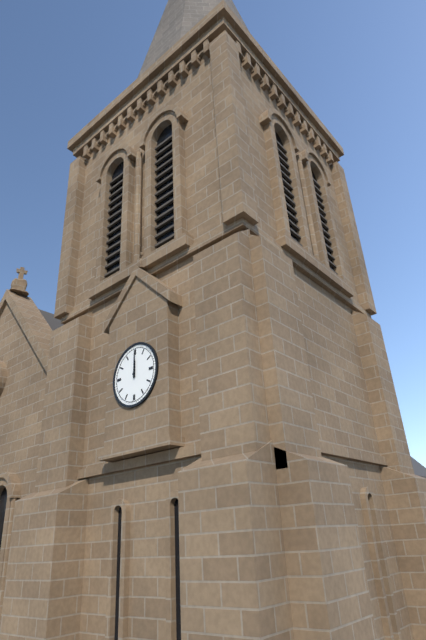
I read 12.00
